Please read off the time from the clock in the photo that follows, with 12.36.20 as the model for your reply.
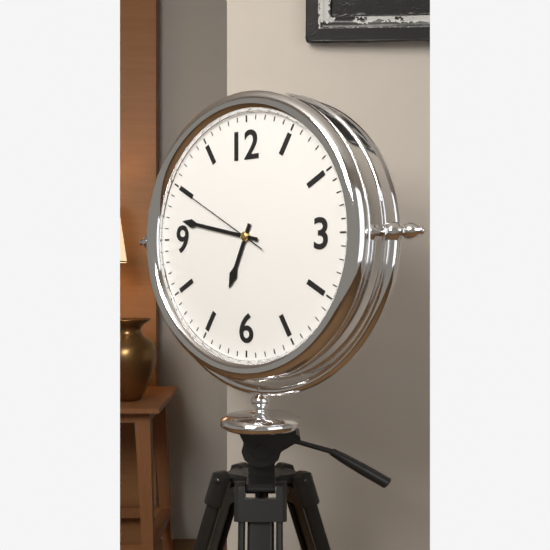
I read 6.47.50
